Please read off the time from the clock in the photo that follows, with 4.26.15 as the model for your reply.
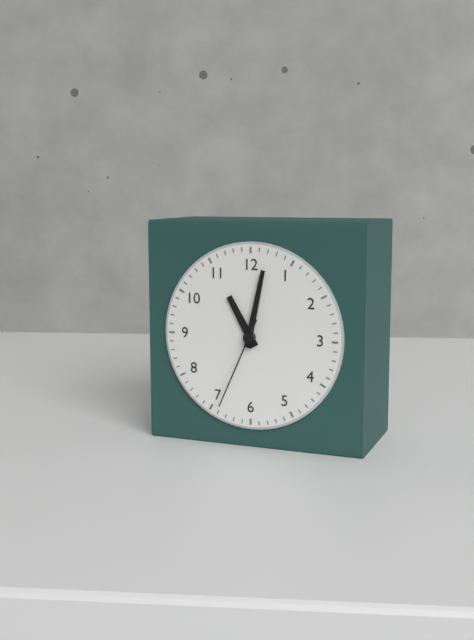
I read 11.02.34
